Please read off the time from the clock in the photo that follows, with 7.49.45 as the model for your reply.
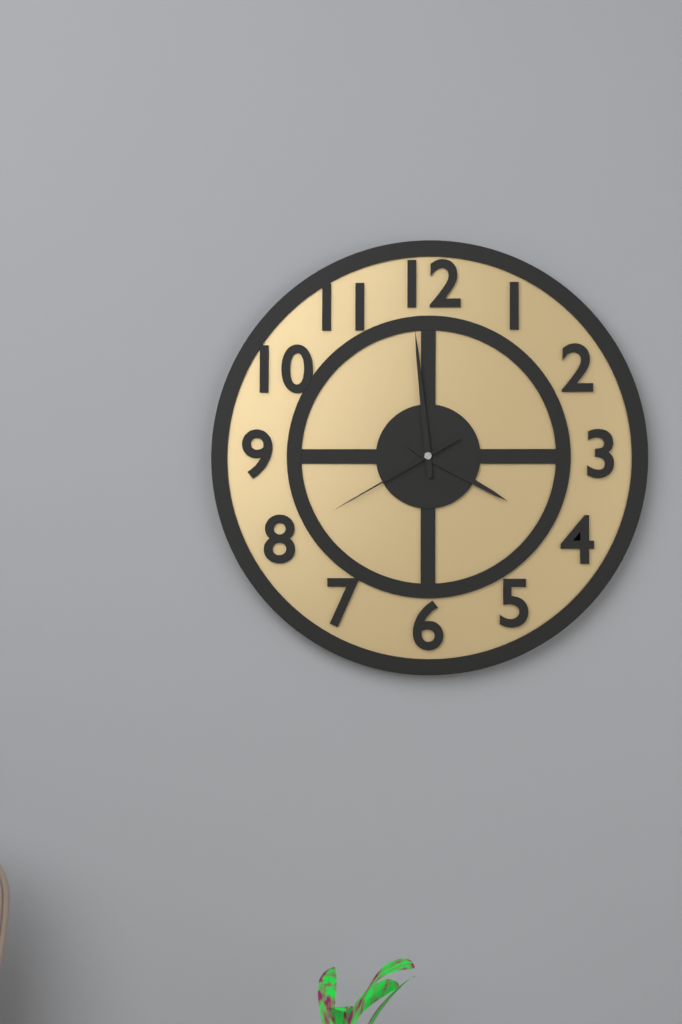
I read 3.59.40
